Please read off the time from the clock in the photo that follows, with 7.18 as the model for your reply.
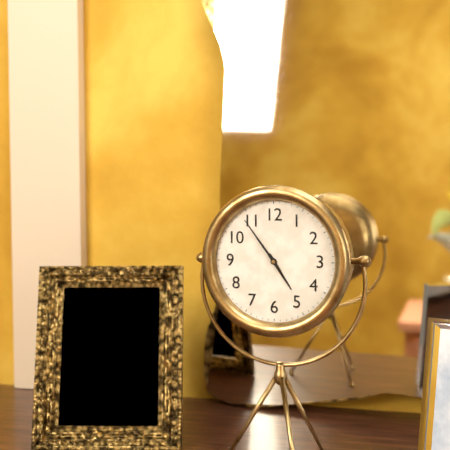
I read 4.54
